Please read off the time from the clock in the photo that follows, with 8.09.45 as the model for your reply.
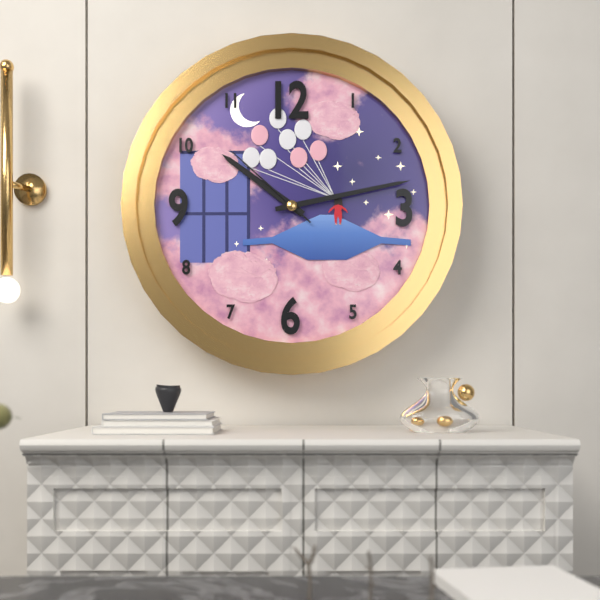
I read 10.13.52
